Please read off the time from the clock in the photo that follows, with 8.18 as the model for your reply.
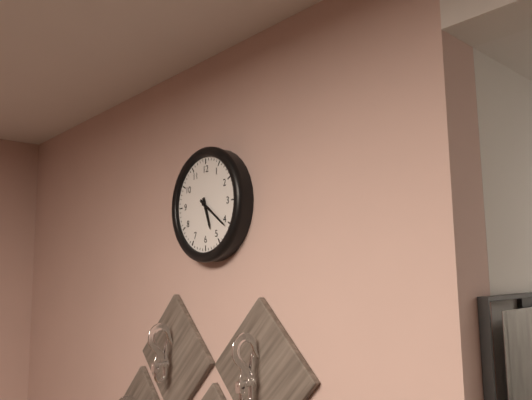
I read 5.21
